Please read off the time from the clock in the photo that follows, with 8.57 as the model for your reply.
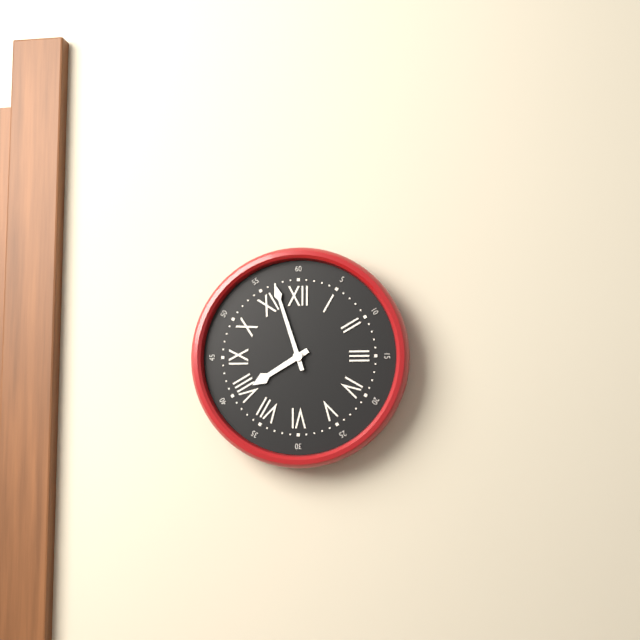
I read 7.57
